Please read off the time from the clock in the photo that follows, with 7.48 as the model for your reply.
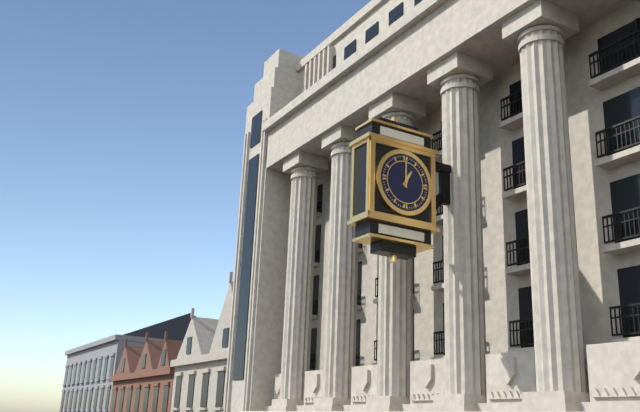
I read 1.00
